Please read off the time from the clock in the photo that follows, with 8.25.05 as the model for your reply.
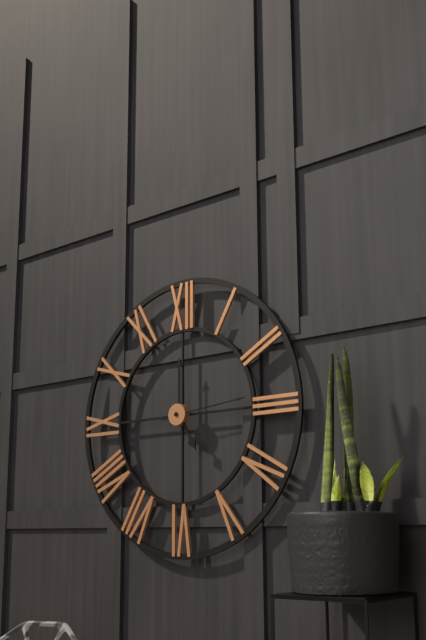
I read 5.00.14
